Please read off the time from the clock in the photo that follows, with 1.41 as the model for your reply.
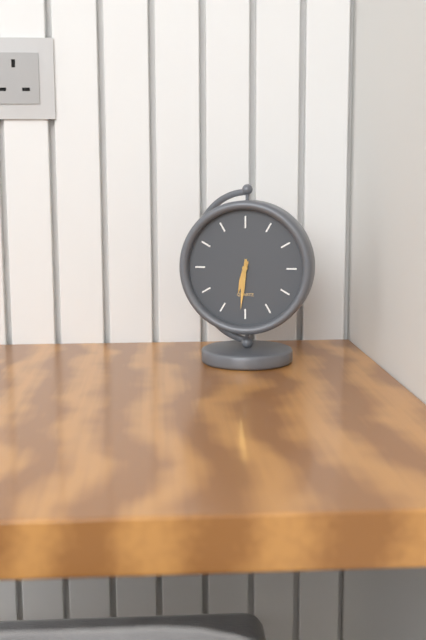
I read 6.31
